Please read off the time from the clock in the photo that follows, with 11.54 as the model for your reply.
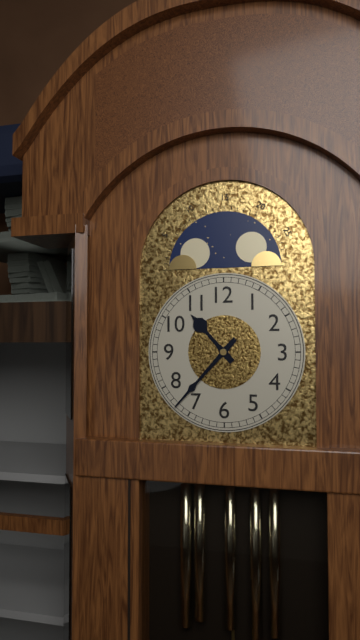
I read 10.37
